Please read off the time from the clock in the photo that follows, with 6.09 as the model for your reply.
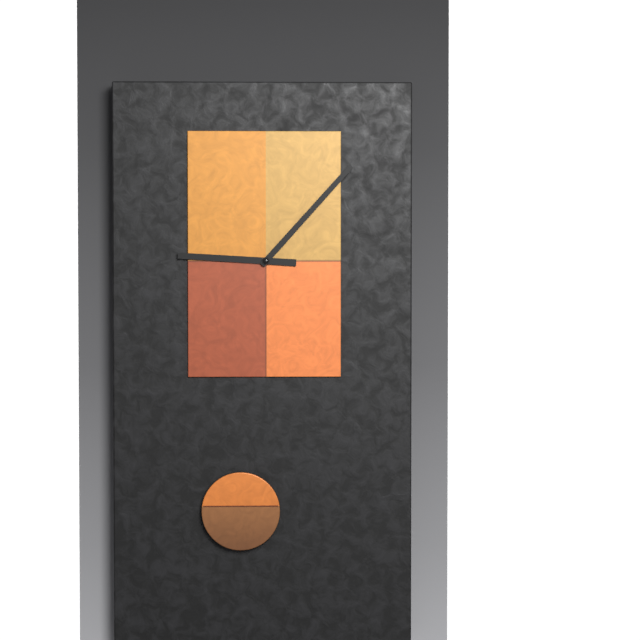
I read 9.07
